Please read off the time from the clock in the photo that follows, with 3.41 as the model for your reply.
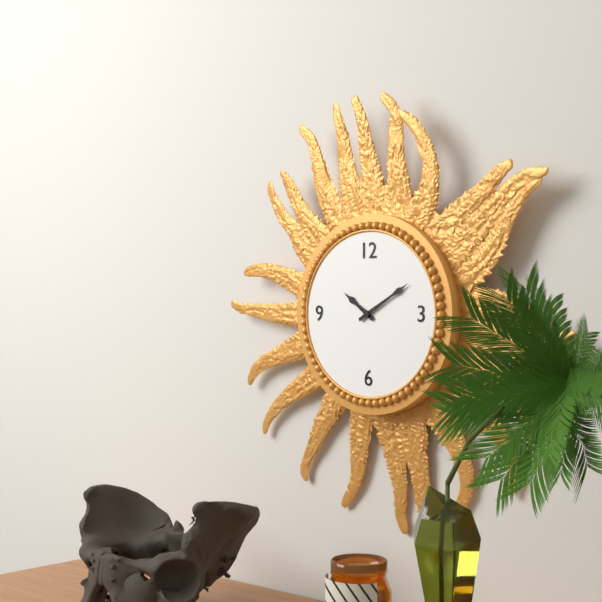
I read 10.10
